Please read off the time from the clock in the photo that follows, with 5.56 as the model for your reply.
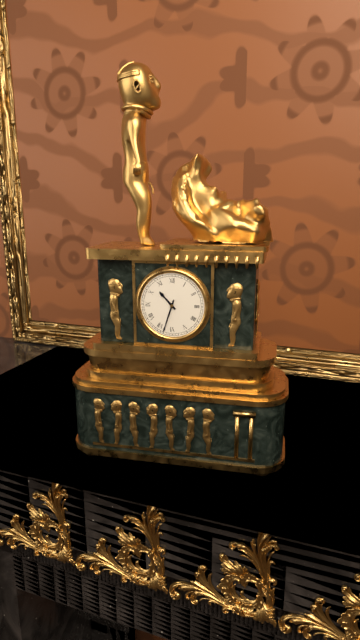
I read 10.33
